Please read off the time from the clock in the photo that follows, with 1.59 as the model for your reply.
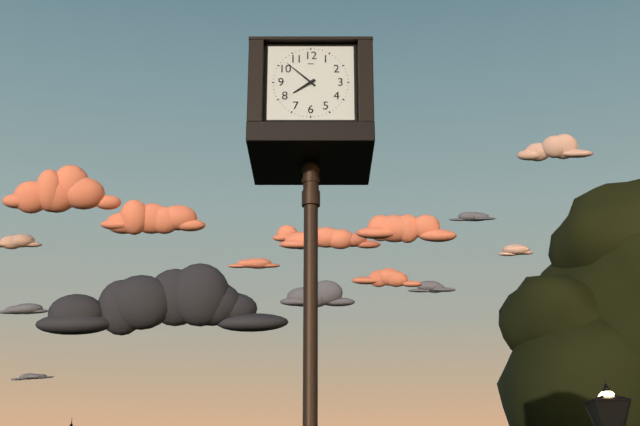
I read 7.52
